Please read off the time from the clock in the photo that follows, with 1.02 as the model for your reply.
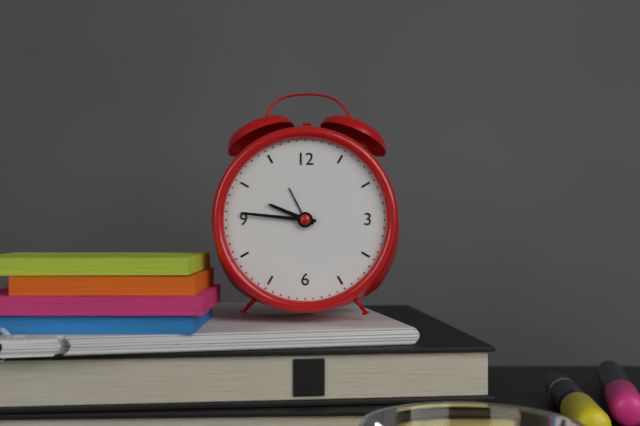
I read 9.46
